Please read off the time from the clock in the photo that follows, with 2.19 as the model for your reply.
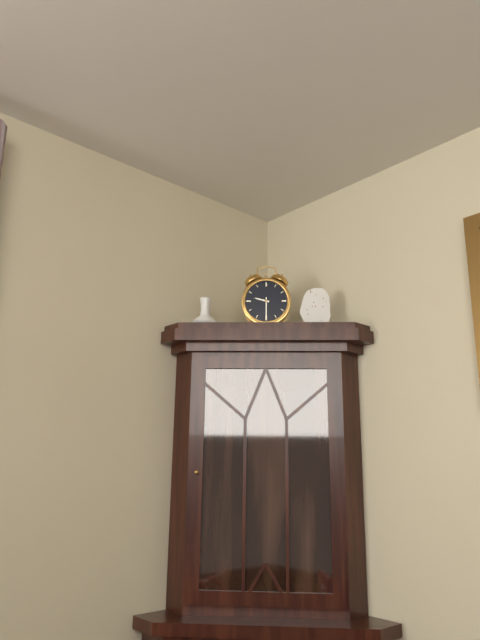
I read 9.30
